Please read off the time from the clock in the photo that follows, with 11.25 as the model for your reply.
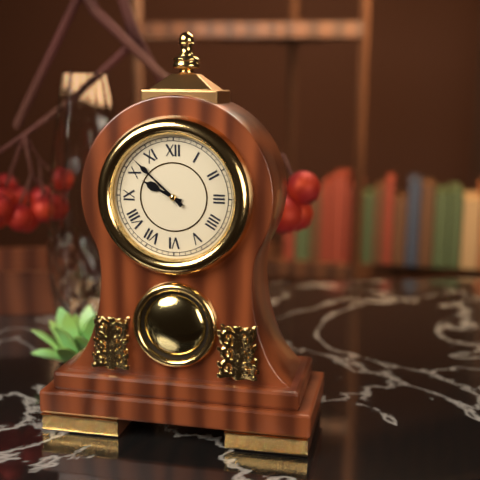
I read 9.52
